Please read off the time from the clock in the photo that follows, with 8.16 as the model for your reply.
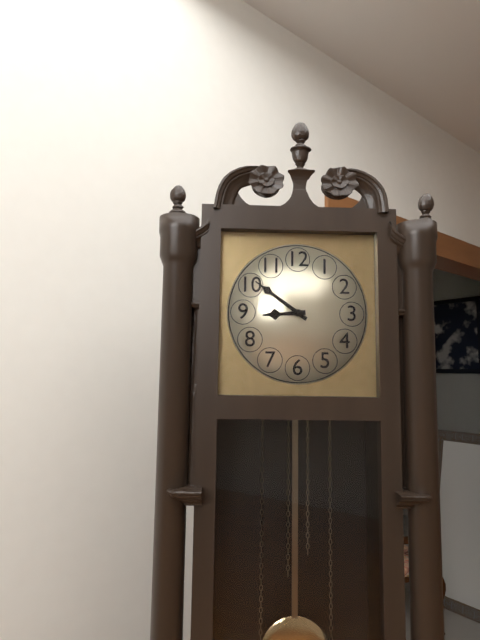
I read 8.51
